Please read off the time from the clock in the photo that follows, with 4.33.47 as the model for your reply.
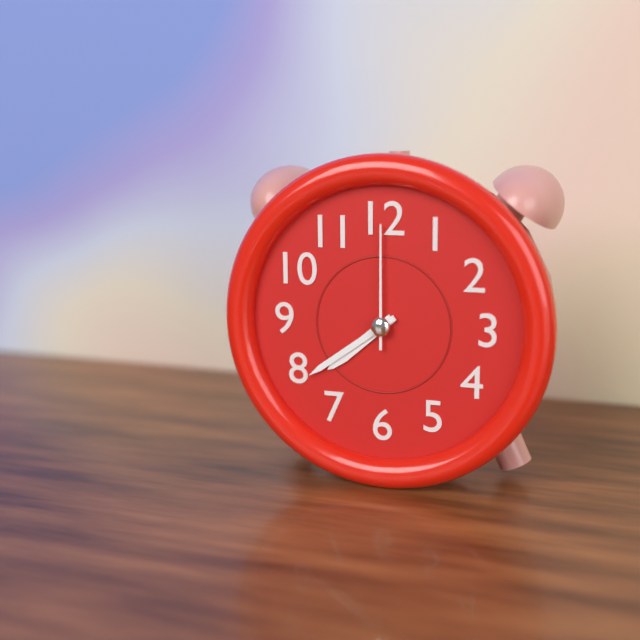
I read 7.39.00
